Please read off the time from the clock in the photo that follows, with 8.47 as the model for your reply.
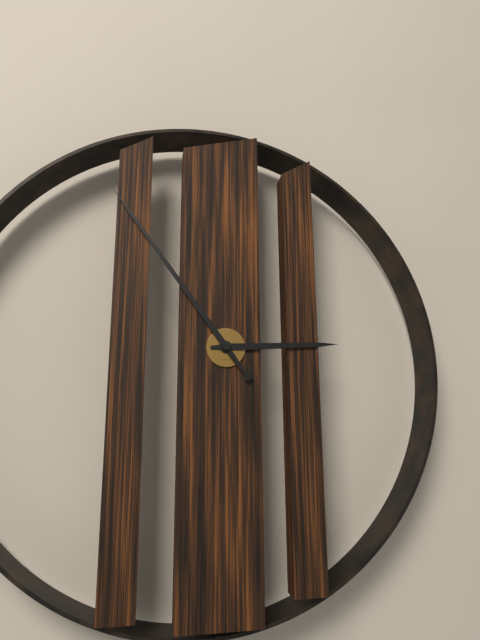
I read 2.54
